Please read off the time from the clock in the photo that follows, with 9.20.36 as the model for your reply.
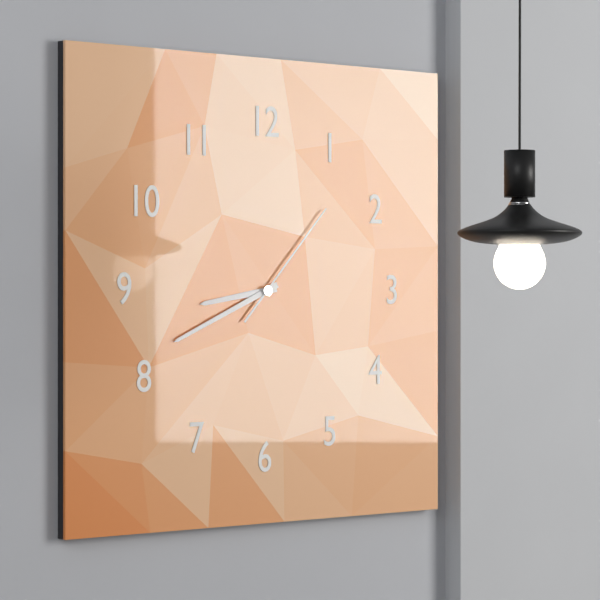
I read 8.41.07
